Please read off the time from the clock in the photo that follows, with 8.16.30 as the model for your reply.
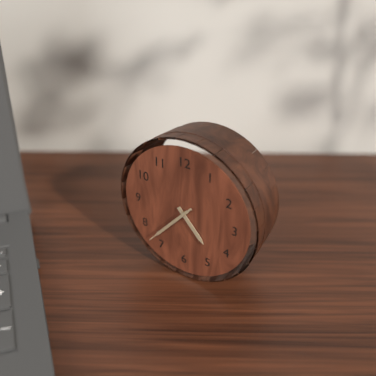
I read 4.37.37
